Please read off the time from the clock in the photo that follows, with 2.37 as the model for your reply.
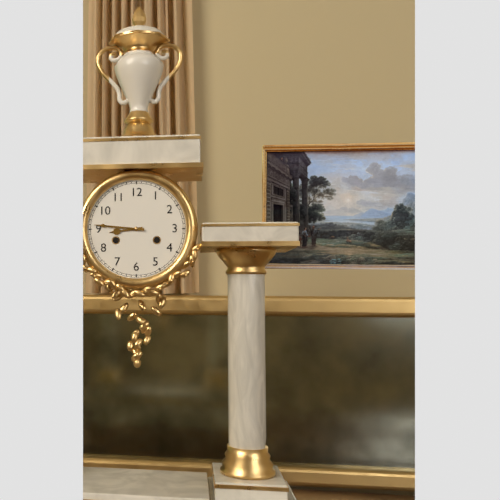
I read 8.46
